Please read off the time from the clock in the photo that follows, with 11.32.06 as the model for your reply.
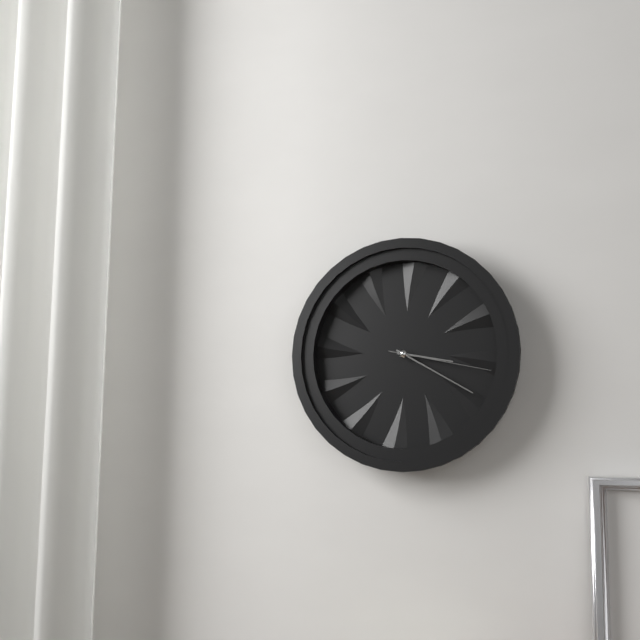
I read 3.20.17
